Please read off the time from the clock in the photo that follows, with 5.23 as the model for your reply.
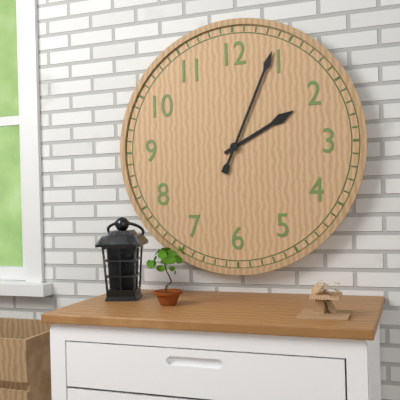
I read 2.04
